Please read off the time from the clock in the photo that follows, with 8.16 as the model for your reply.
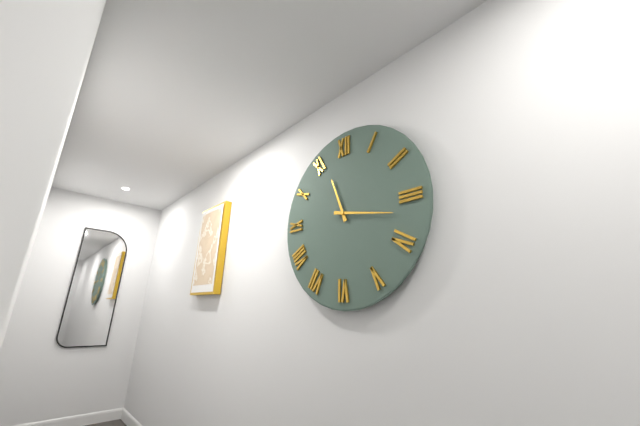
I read 11.17
